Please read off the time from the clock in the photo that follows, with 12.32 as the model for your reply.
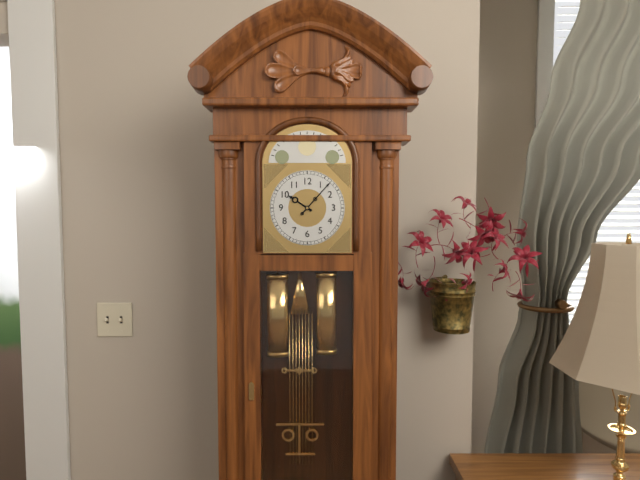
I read 10.07
